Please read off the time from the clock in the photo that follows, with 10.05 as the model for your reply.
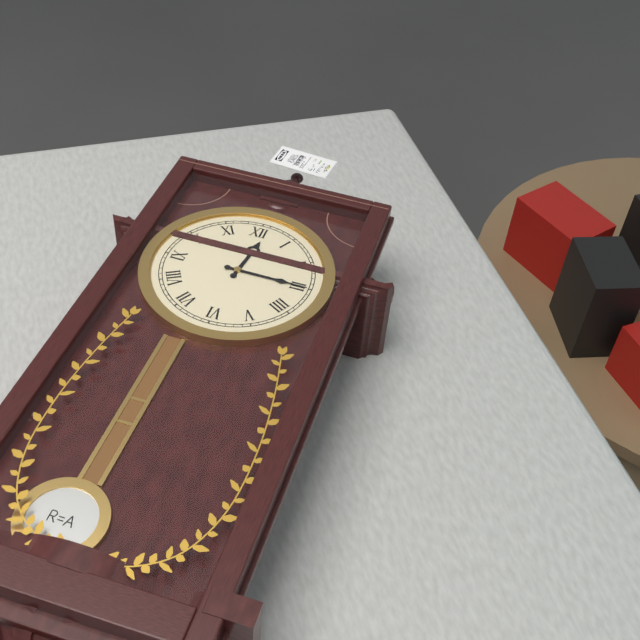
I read 12.15
